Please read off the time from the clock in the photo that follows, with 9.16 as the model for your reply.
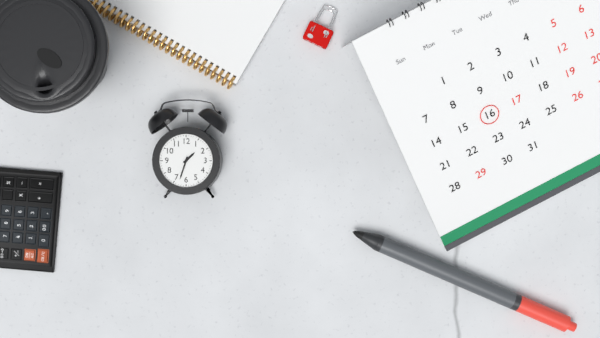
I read 1.33
